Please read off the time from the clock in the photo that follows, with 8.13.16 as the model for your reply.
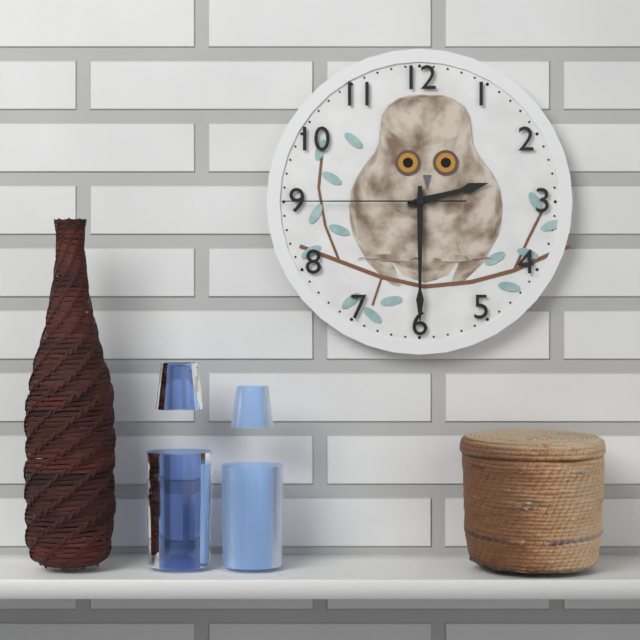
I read 2.30.45
